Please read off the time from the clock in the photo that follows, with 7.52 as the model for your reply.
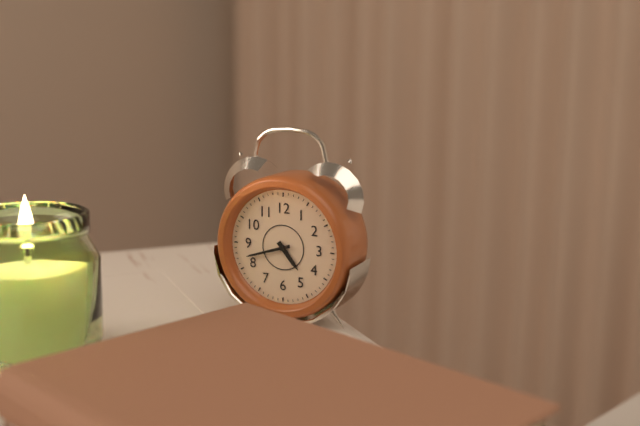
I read 4.42
